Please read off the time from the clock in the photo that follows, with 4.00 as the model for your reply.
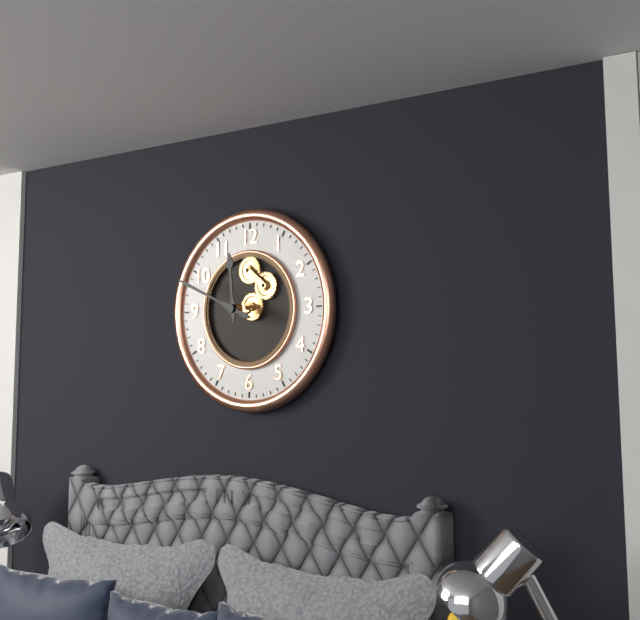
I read 11.49
